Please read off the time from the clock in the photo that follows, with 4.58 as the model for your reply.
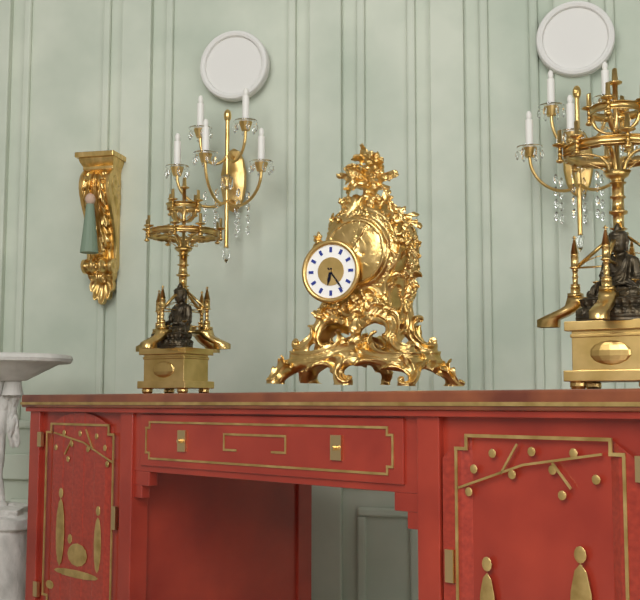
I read 6.24
